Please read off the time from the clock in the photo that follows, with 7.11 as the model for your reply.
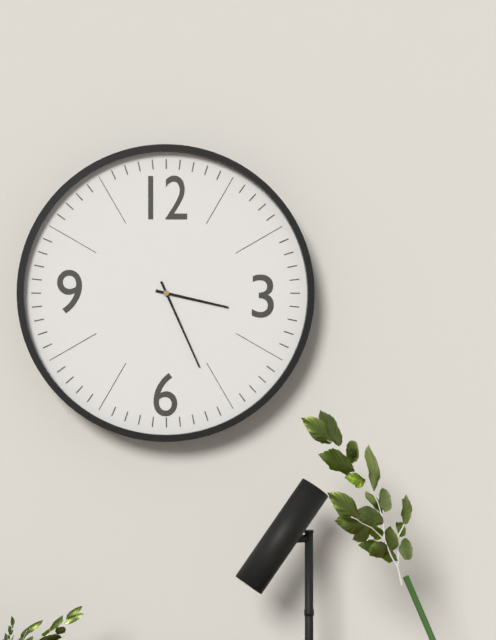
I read 3.26
